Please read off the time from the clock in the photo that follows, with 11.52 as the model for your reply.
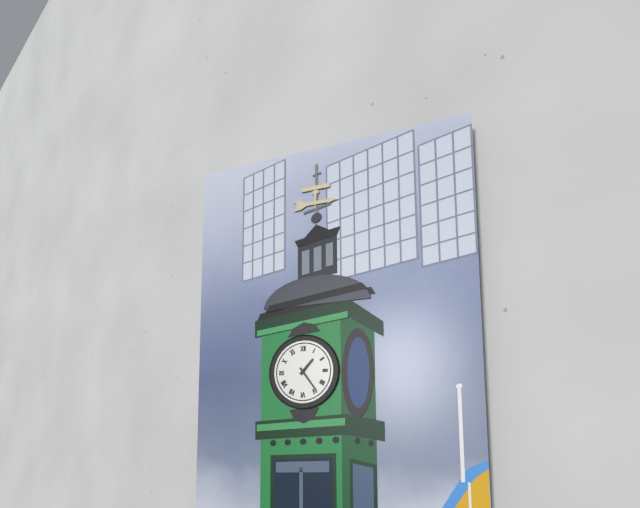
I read 1.24
